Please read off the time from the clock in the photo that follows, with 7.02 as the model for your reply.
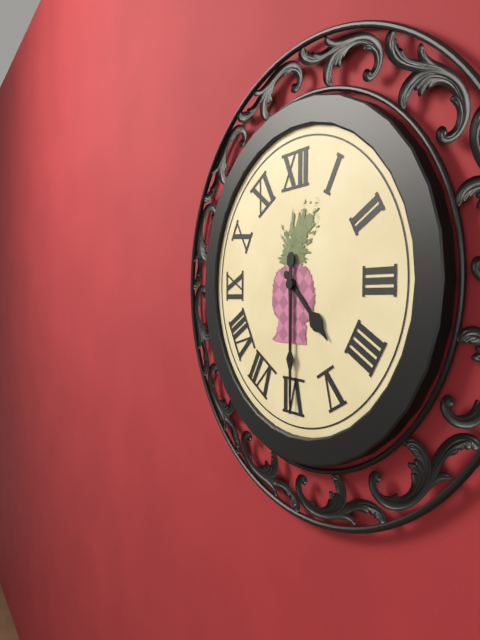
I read 4.30
